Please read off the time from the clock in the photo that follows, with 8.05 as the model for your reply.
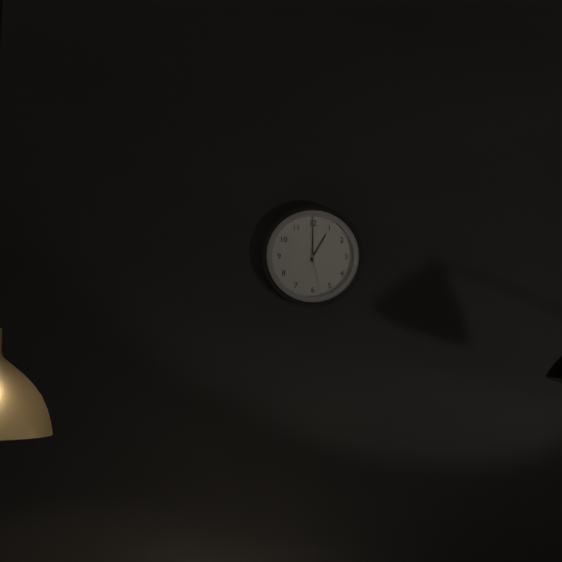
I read 1.00
